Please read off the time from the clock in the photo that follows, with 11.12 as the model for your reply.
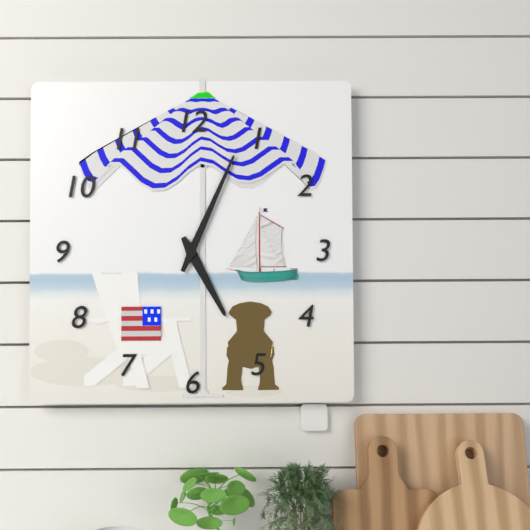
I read 5.04
